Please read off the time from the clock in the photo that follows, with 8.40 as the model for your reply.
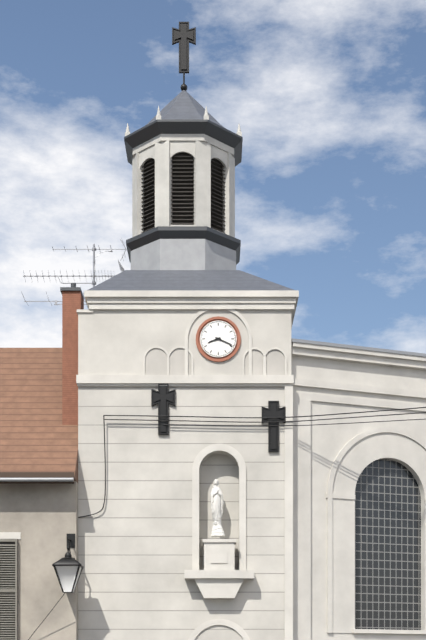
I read 8.19
